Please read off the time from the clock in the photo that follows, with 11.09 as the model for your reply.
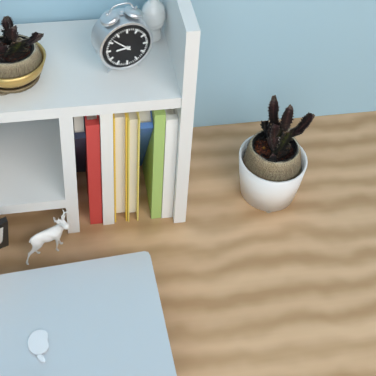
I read 8.52
